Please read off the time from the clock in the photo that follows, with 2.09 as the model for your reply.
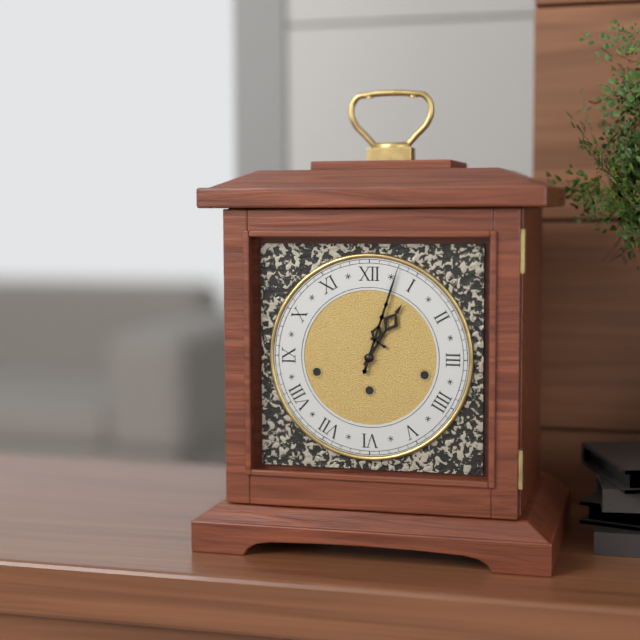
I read 1.03
